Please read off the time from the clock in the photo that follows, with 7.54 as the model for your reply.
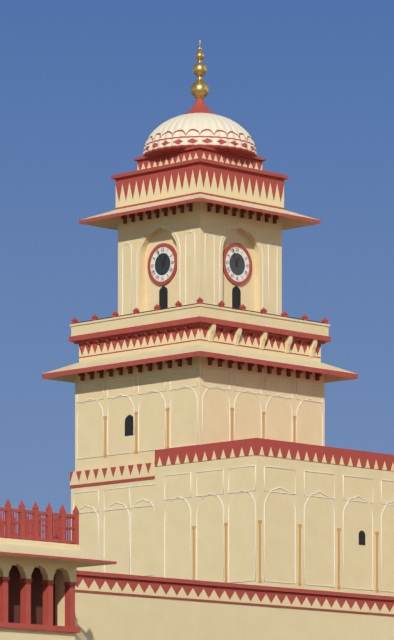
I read 12.56
